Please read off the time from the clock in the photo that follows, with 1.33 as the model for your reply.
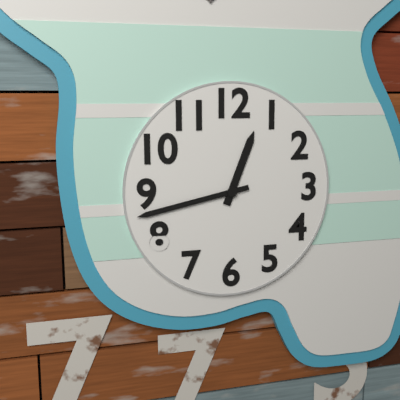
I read 12.43
